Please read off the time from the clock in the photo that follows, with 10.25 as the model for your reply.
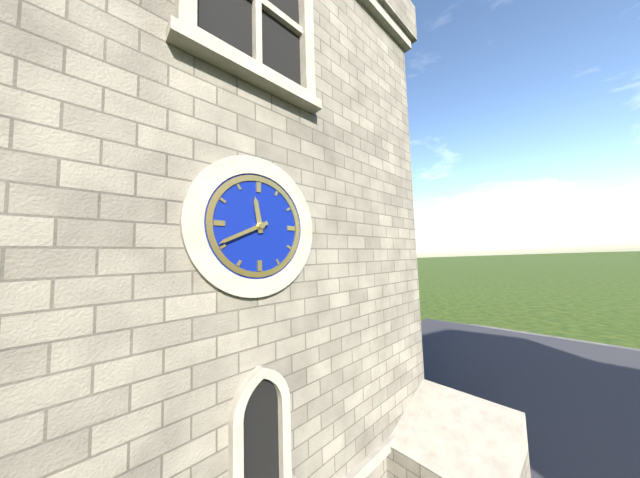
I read 11.41
